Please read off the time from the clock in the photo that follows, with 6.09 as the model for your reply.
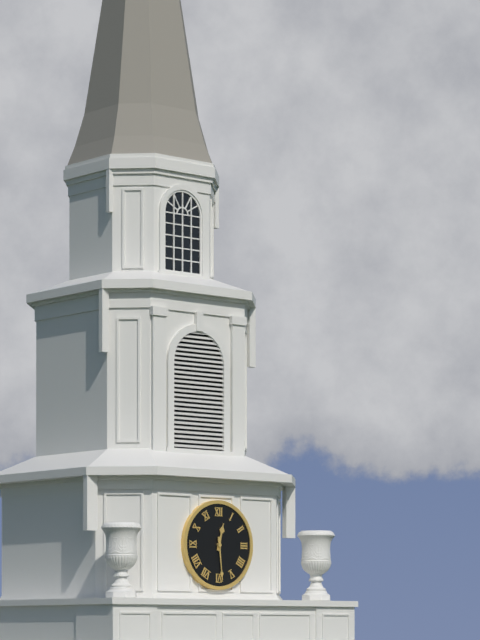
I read 12.29
